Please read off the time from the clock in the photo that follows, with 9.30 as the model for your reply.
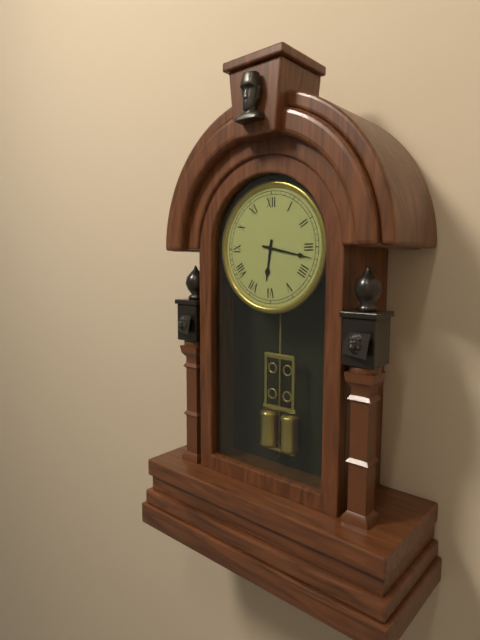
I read 6.17
